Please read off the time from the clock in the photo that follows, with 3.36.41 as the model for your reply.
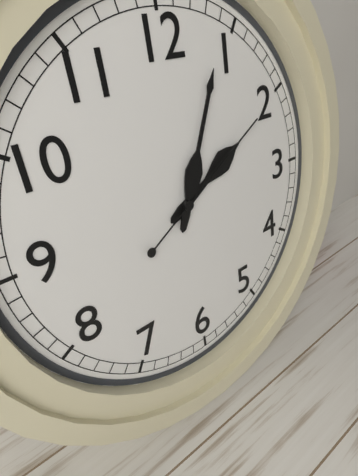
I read 2.04.10
